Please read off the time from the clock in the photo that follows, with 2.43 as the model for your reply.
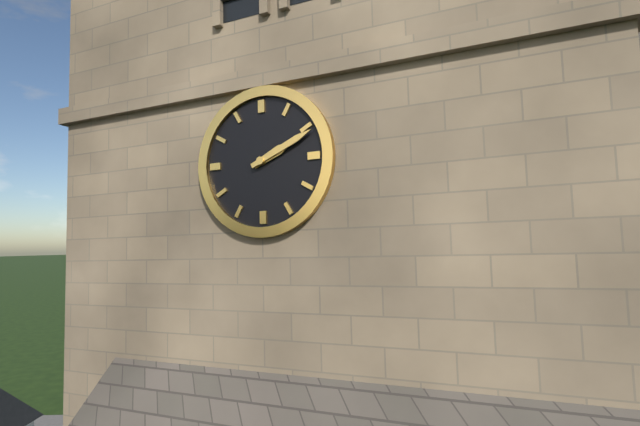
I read 2.11
